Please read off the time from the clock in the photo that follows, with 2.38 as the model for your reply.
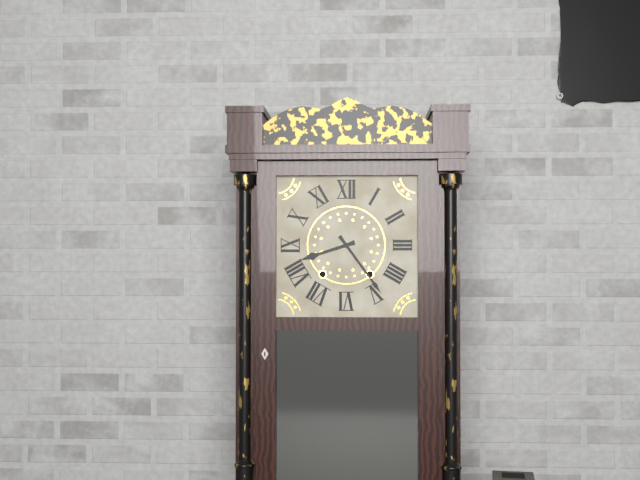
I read 8.24
